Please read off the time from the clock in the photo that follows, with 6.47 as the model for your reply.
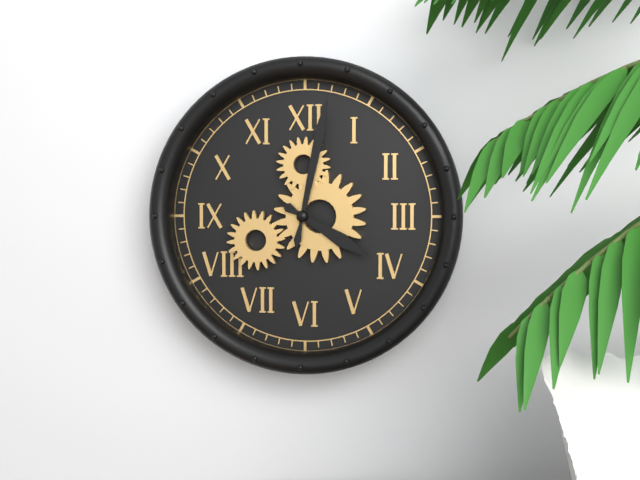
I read 4.02
